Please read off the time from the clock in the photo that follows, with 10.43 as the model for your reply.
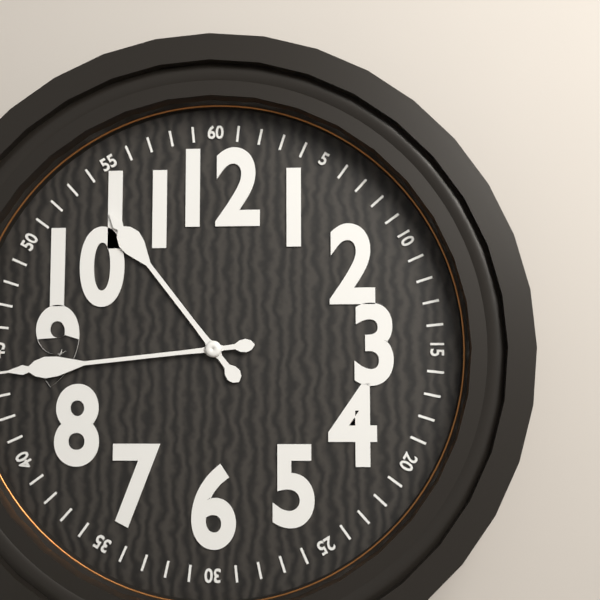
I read 10.44
